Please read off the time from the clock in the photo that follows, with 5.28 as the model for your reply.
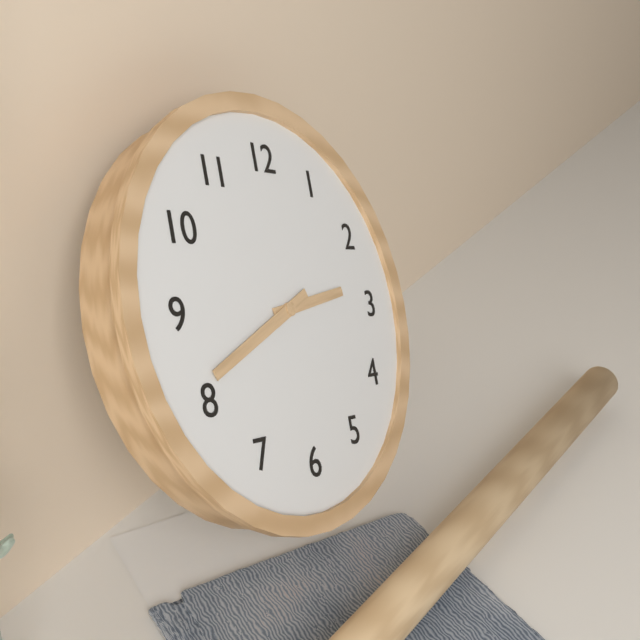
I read 2.41
